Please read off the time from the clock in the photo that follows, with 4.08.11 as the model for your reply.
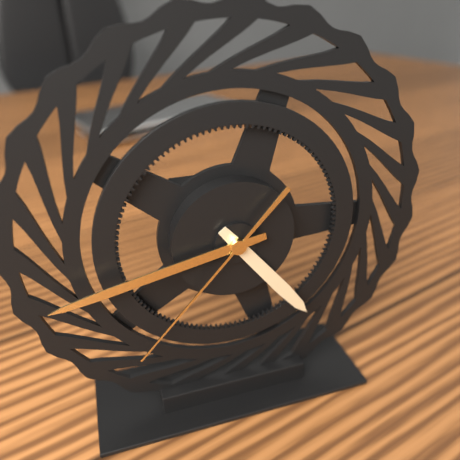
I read 4.43.37
